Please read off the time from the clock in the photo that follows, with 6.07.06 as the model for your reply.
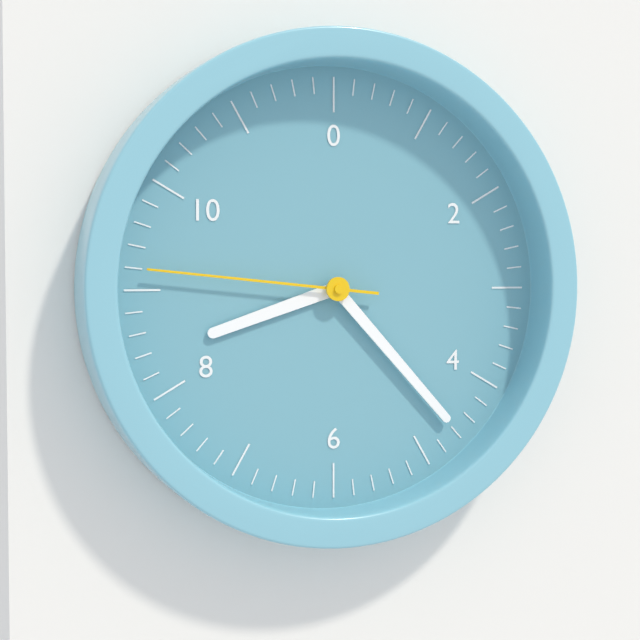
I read 8.23.46
